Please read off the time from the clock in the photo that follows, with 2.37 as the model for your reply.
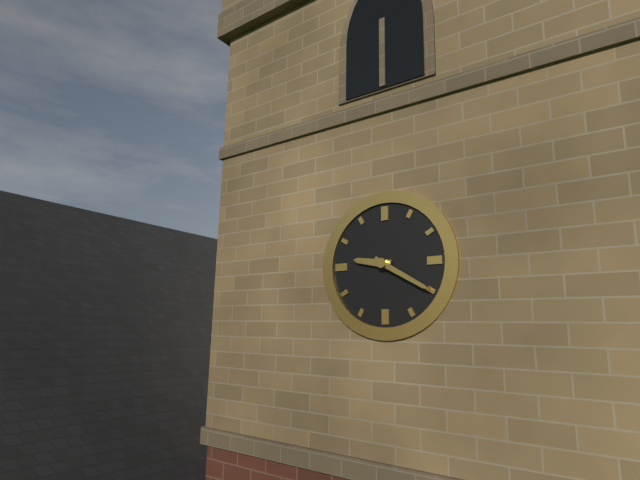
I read 9.20
